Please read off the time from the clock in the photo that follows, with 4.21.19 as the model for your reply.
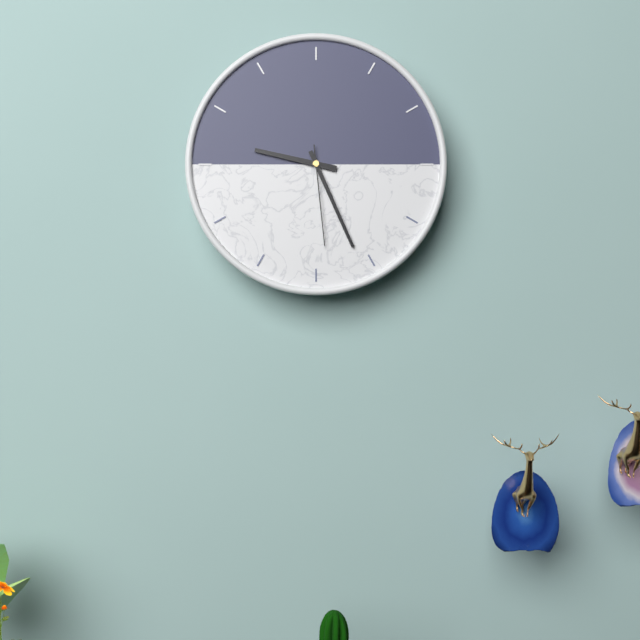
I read 9.26.29
